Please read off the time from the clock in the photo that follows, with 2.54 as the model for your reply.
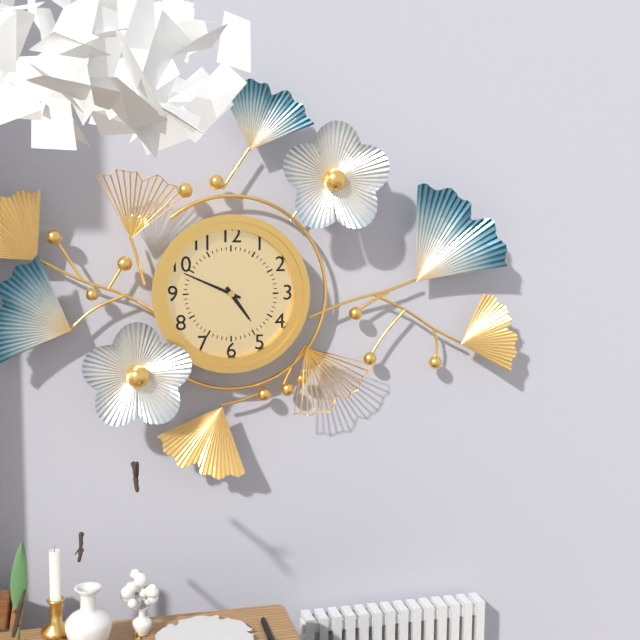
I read 4.49
